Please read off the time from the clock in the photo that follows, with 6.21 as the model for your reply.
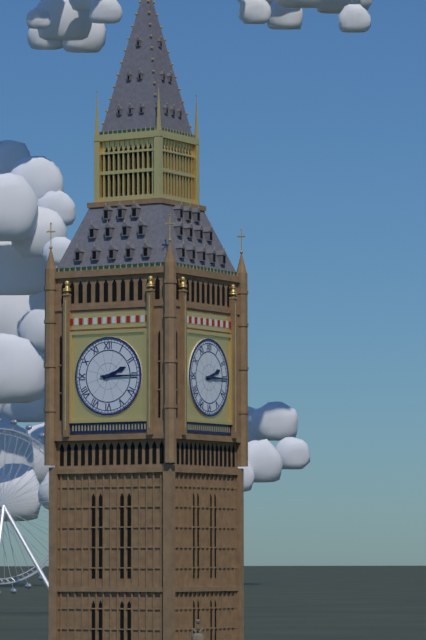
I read 2.15
